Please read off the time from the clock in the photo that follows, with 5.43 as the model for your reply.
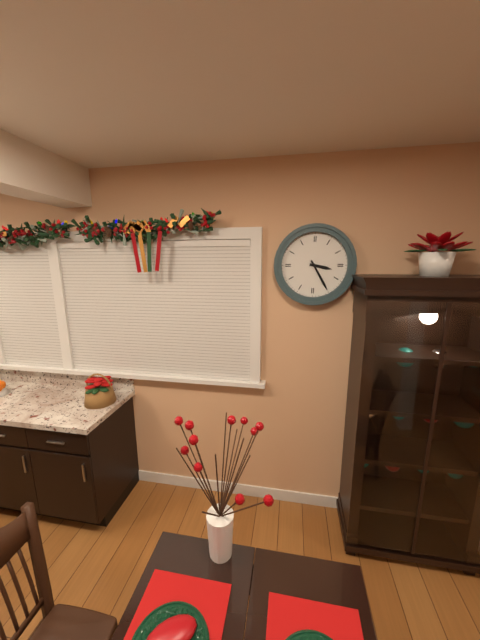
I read 3.25
